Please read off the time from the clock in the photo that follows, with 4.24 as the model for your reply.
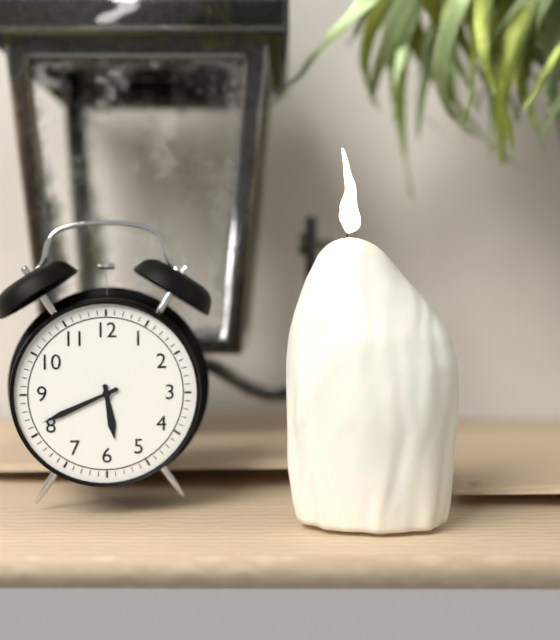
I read 5.41
